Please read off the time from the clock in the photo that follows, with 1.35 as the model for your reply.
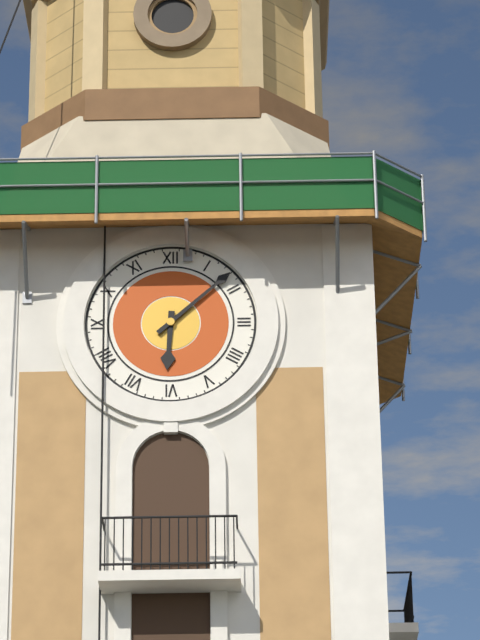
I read 6.08
